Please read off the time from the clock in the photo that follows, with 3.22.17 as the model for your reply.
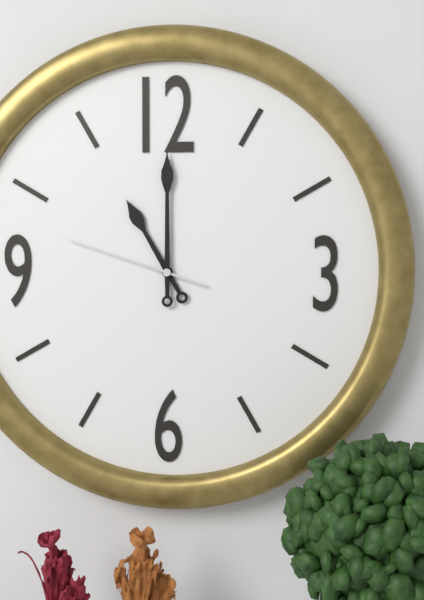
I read 11.00.48
